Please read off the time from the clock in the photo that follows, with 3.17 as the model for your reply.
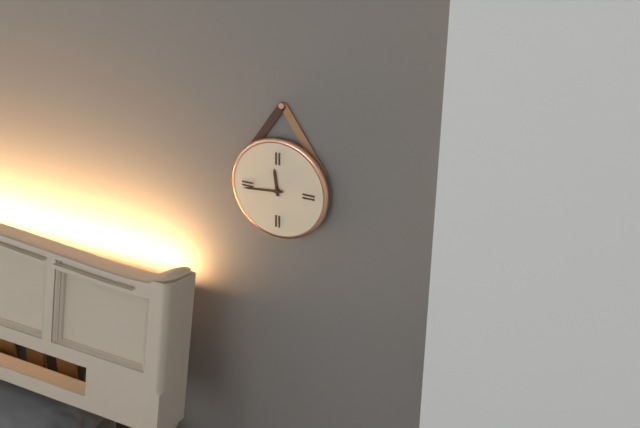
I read 11.44
